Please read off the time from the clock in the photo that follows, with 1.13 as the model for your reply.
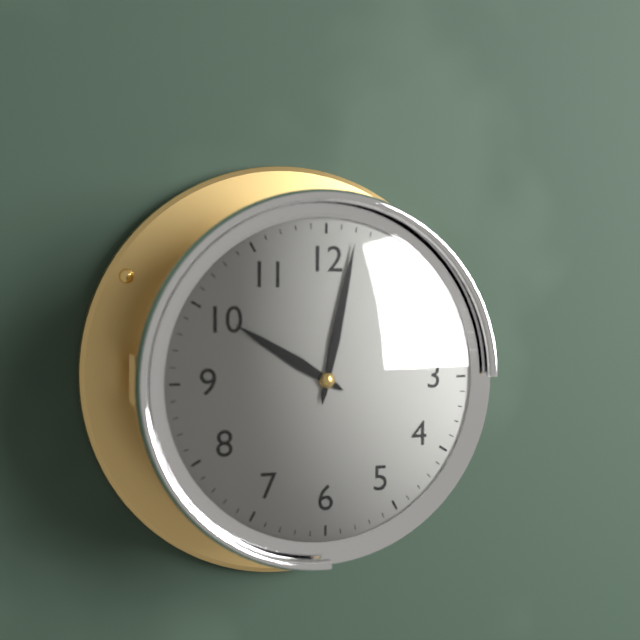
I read 10.02
